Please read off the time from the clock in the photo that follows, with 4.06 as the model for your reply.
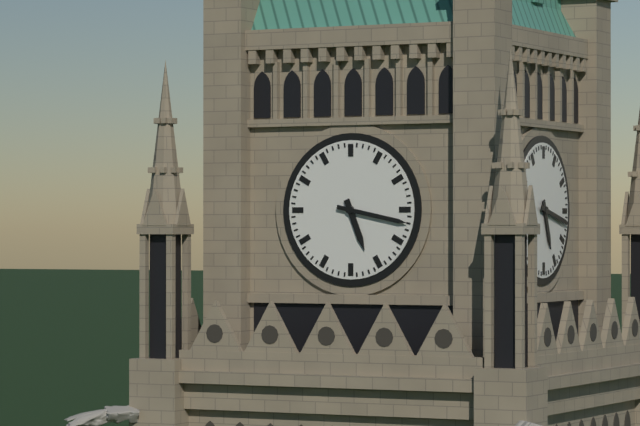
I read 5.17
